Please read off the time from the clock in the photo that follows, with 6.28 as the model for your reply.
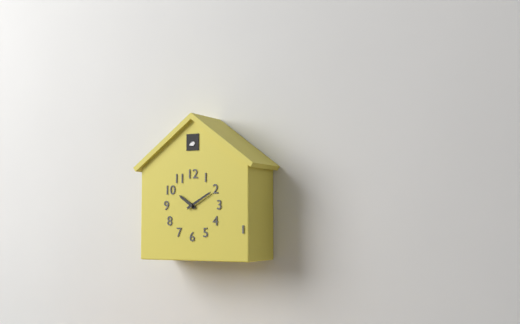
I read 10.10
